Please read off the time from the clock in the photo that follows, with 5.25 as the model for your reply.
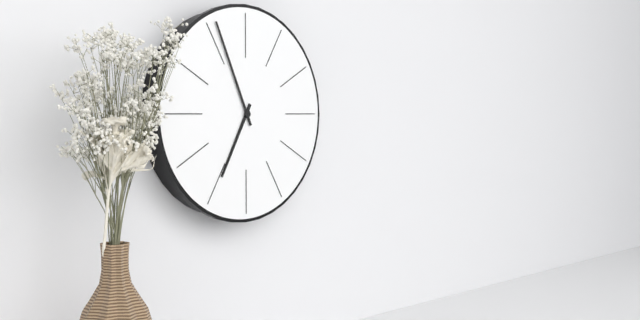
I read 6.56
